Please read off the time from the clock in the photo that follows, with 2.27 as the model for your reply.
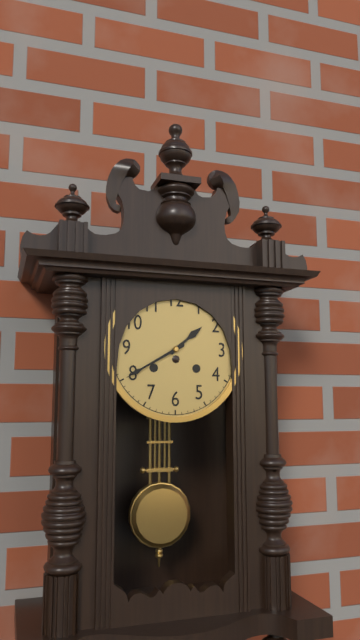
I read 1.40
